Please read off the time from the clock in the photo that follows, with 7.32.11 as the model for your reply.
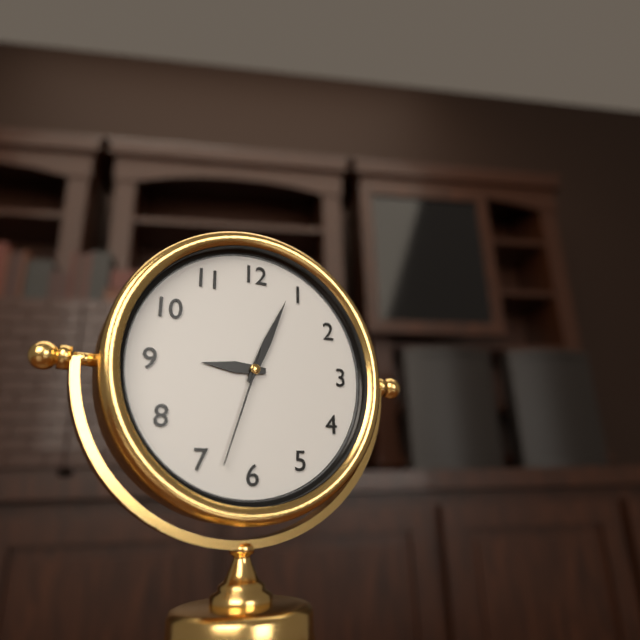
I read 9.04.33
